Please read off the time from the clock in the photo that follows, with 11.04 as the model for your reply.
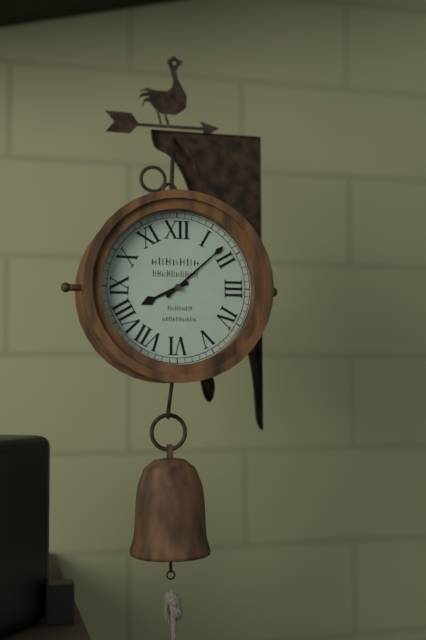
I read 8.08
